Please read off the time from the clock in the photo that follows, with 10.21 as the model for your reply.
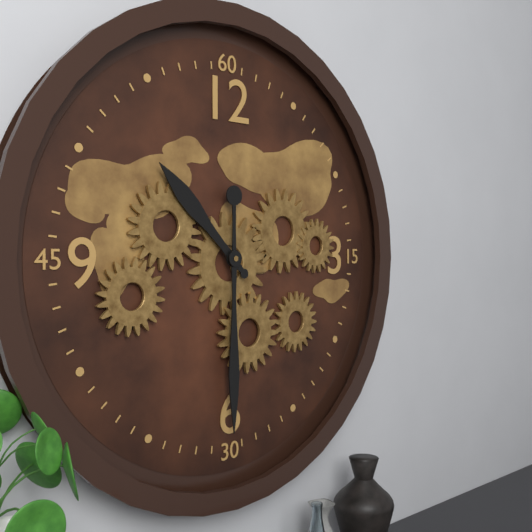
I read 10.30
